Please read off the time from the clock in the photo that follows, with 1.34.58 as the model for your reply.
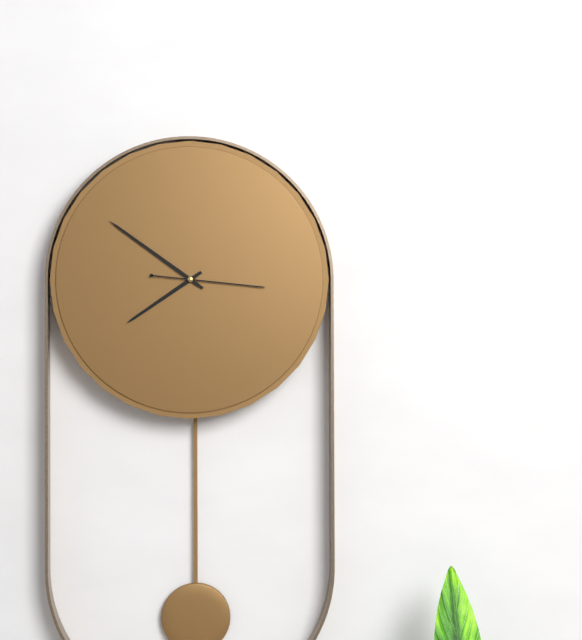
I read 7.51.16
